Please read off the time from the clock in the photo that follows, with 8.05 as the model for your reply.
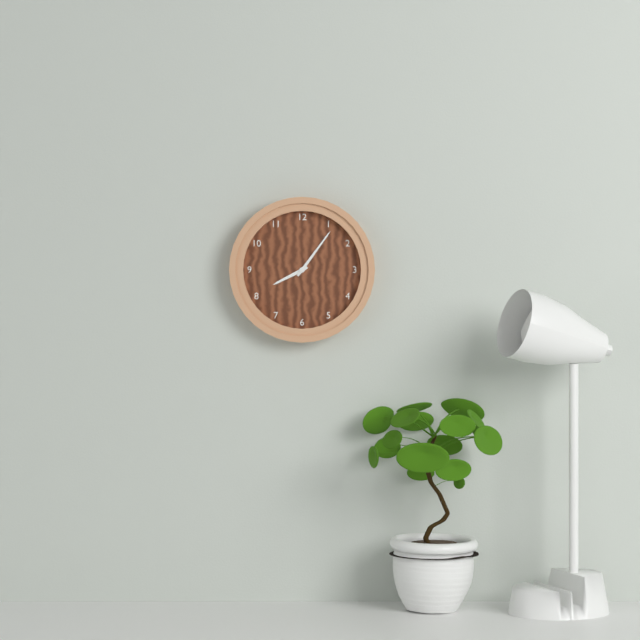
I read 8.06
